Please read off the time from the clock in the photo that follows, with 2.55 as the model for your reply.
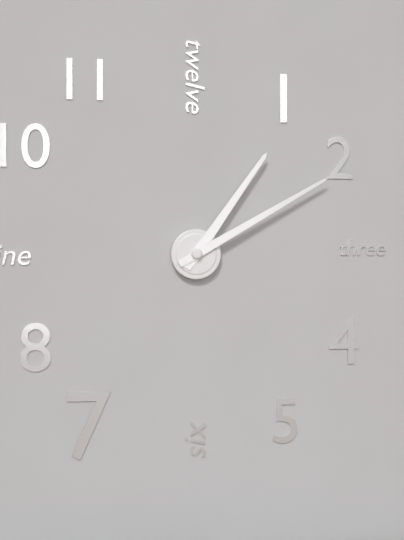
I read 1.10
